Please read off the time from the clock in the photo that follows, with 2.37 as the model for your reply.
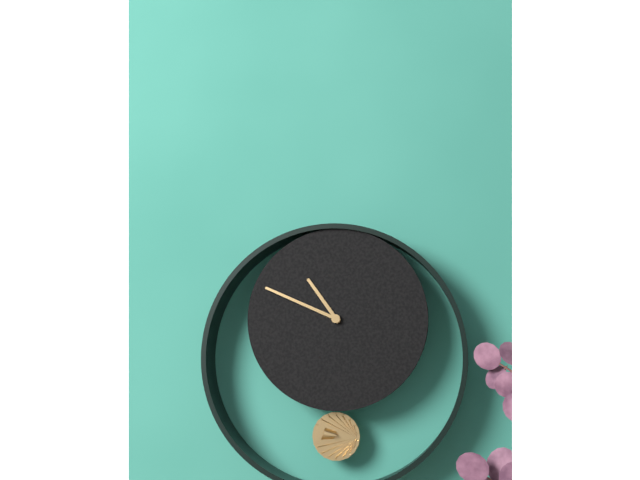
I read 10.49
